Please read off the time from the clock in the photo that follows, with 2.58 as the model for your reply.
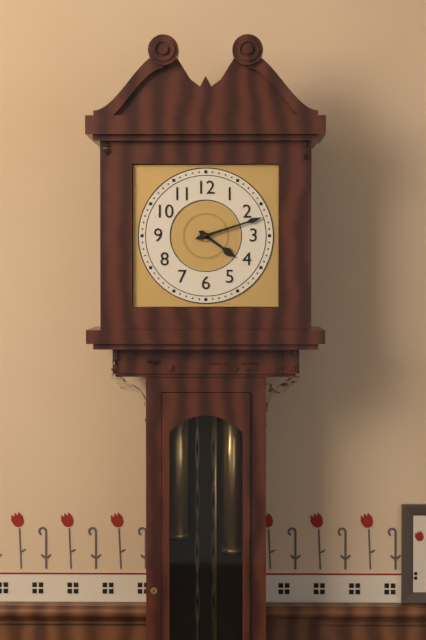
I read 4.12
